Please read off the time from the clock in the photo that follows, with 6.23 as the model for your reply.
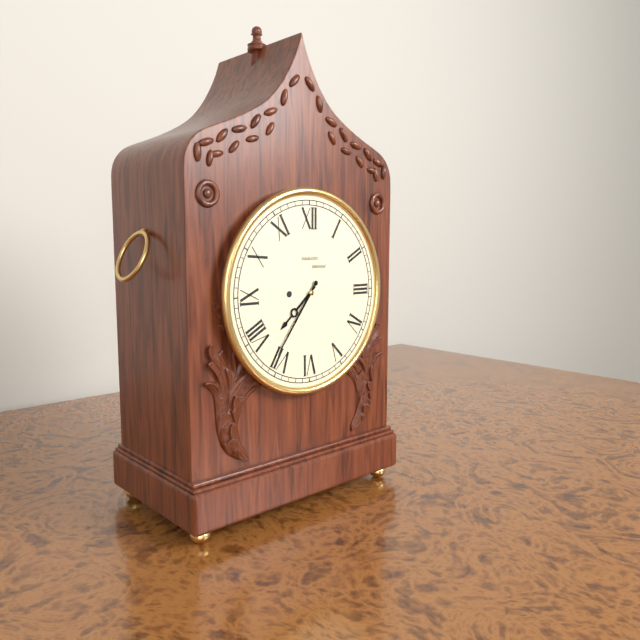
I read 7.36
